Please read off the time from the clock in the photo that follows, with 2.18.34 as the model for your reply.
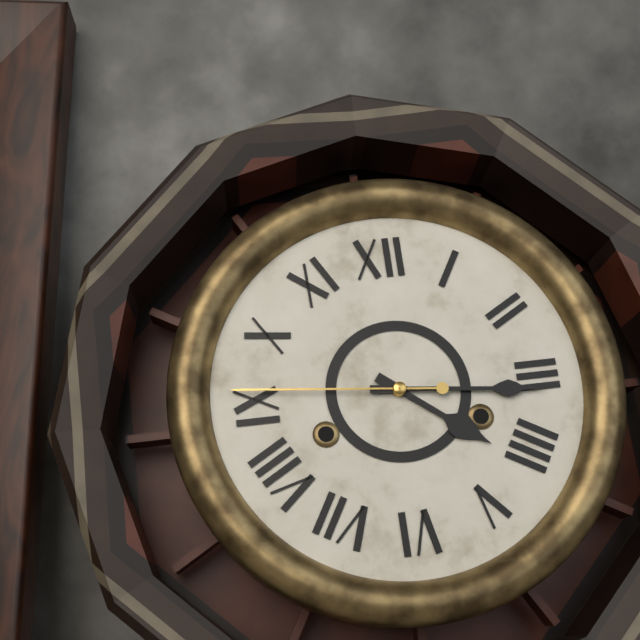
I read 4.16.46
